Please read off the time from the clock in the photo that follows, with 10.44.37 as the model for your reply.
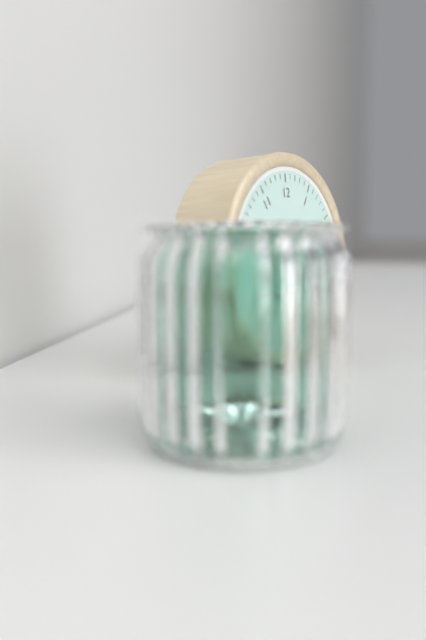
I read 4.28.31
